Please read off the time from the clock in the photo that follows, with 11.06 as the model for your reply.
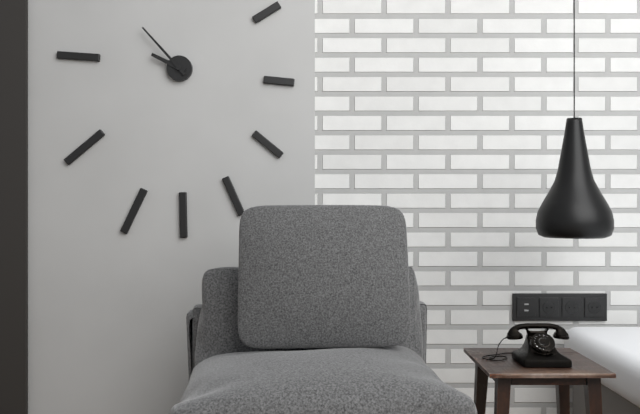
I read 9.53
